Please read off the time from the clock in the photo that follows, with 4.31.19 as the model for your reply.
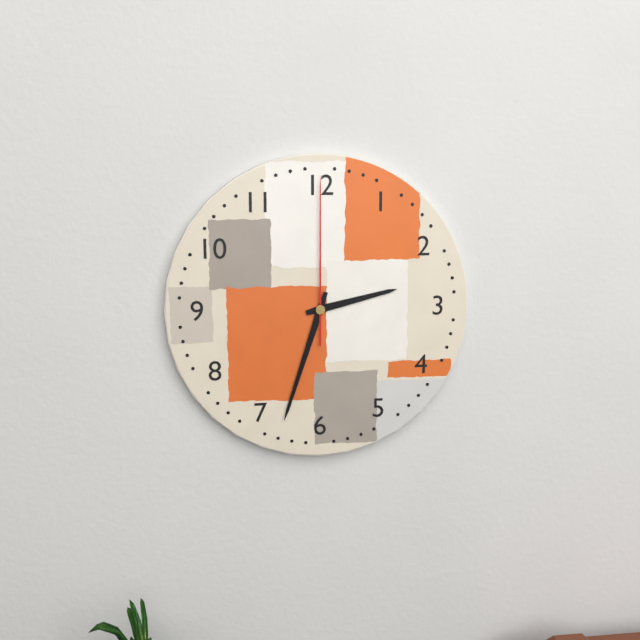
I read 2.33.00
